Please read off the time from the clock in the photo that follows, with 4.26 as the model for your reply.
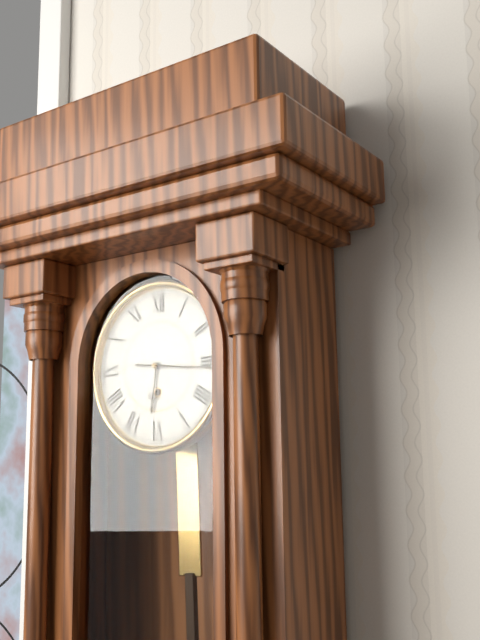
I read 6.16
